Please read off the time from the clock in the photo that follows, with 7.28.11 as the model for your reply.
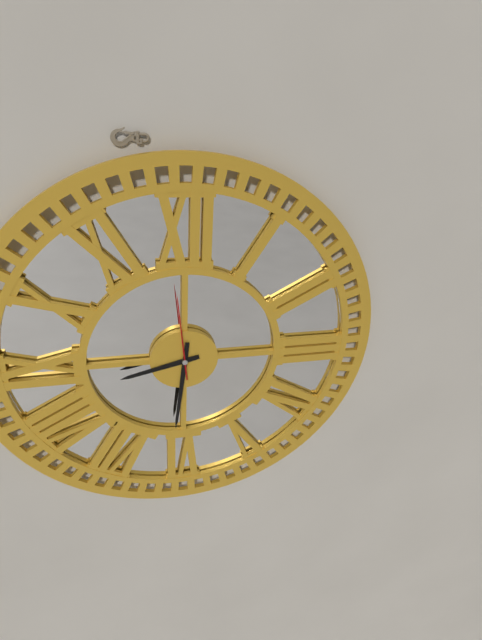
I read 8.31.59
